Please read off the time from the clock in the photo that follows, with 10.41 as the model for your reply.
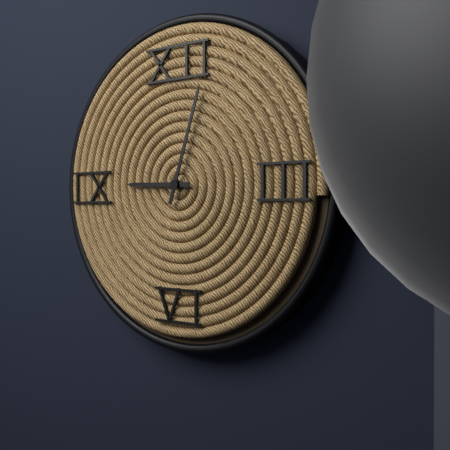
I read 9.03
